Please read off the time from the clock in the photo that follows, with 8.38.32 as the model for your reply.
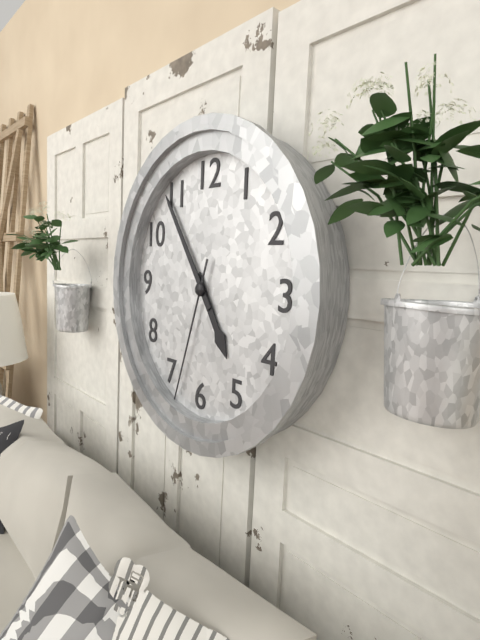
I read 4.54.33
